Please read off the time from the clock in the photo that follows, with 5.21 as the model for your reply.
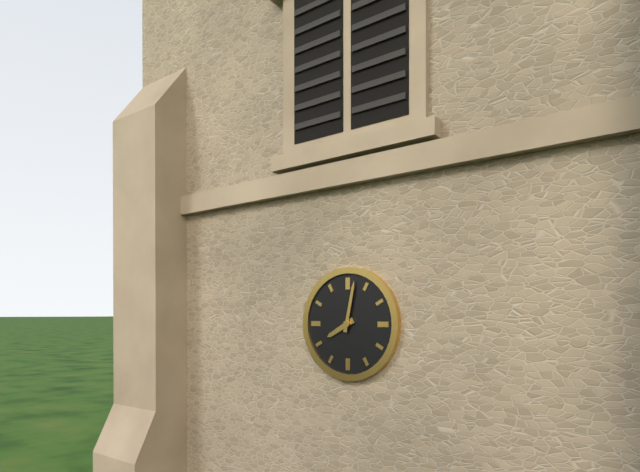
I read 8.02
